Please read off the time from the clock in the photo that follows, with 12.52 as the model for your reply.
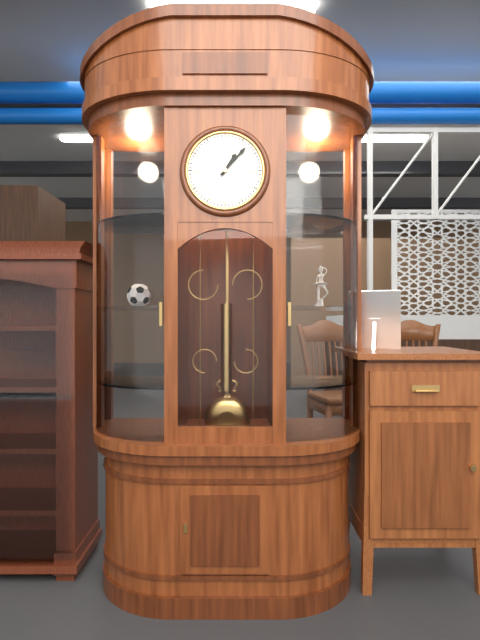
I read 1.07
